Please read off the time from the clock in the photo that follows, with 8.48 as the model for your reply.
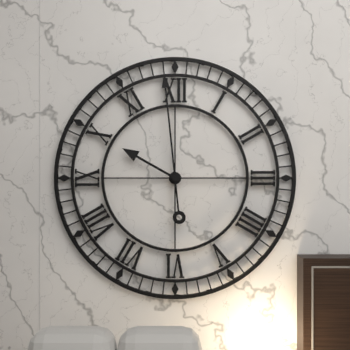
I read 9.59
